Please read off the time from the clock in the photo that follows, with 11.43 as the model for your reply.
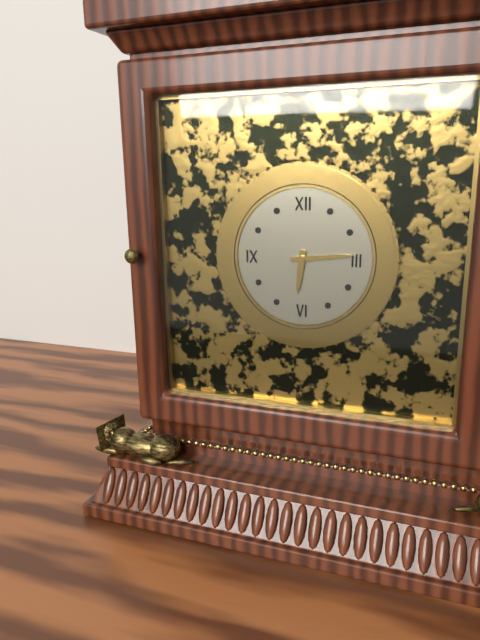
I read 6.14
